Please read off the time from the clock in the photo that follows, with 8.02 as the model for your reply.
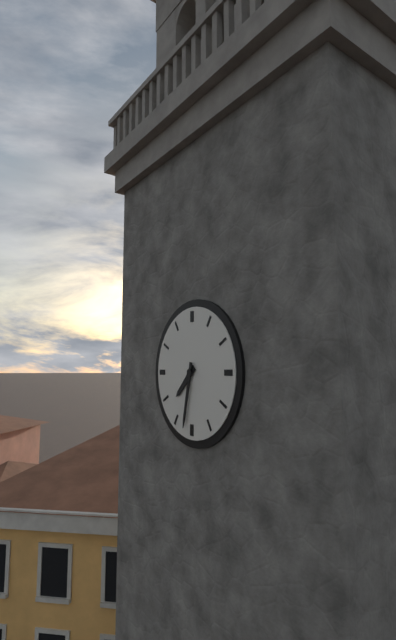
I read 7.32
